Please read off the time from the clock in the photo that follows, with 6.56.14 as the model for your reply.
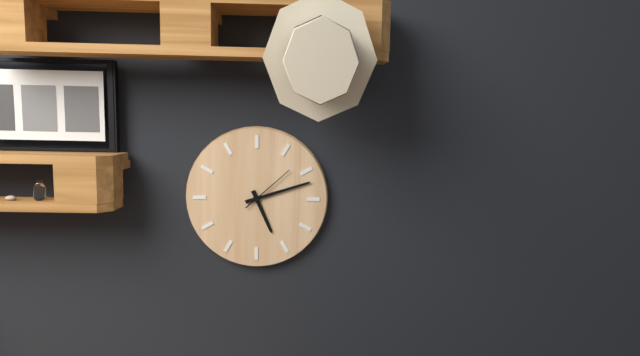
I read 5.12.08
